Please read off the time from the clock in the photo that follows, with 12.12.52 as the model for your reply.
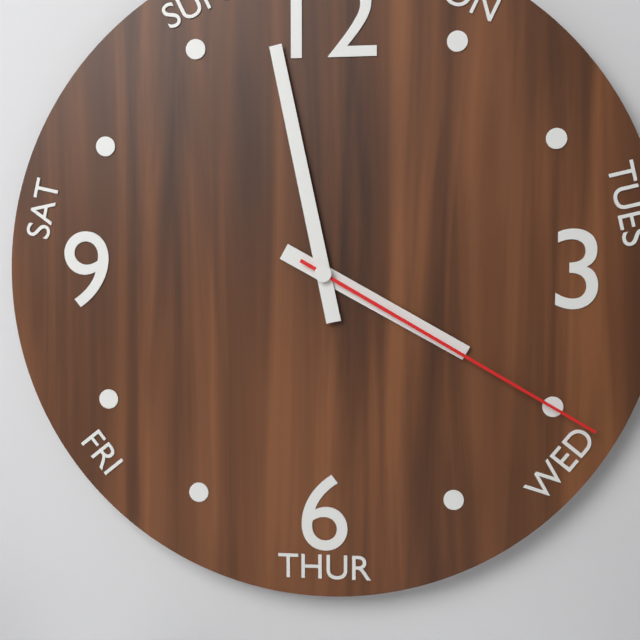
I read 3.58.20
